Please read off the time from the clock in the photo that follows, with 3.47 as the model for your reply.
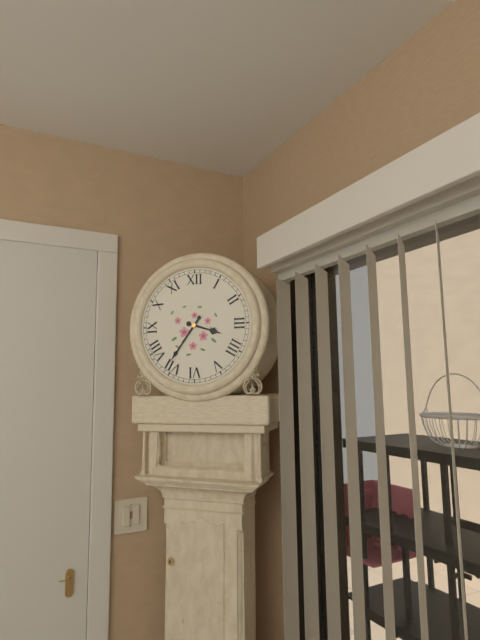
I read 3.36
